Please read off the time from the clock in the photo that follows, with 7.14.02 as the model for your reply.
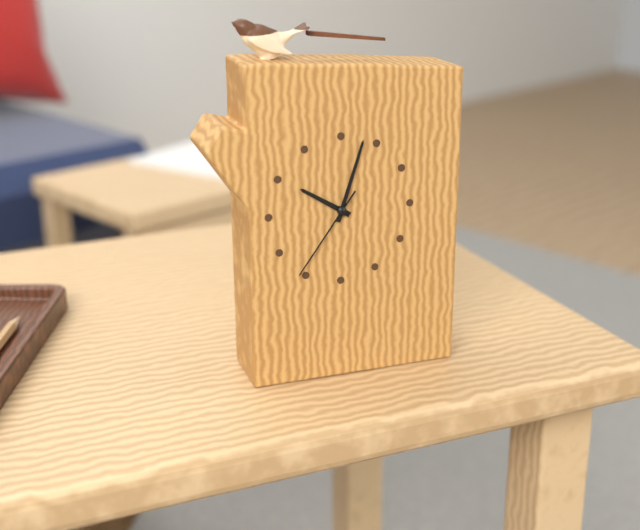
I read 10.03.36
